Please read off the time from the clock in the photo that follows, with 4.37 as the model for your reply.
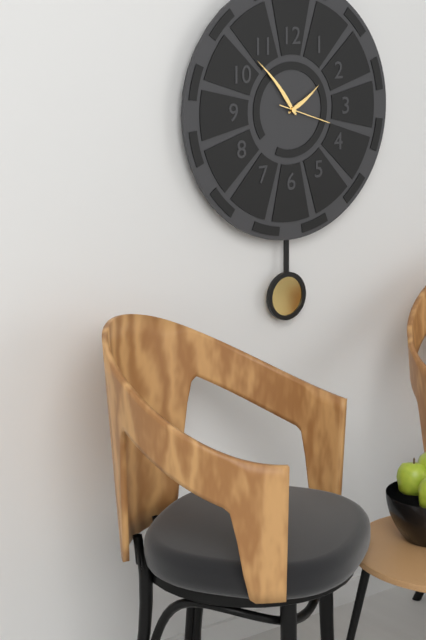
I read 1.53
